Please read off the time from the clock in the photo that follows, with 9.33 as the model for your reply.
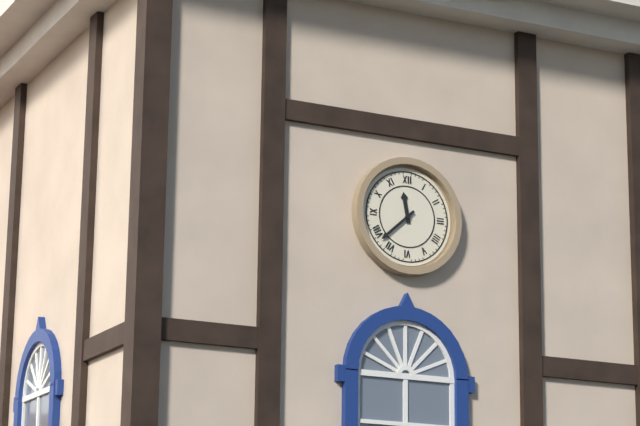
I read 11.38
